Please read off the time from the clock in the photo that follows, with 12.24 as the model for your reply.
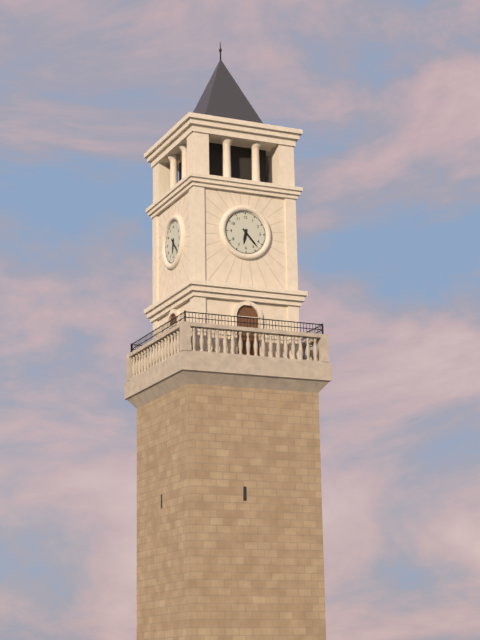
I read 6.23
